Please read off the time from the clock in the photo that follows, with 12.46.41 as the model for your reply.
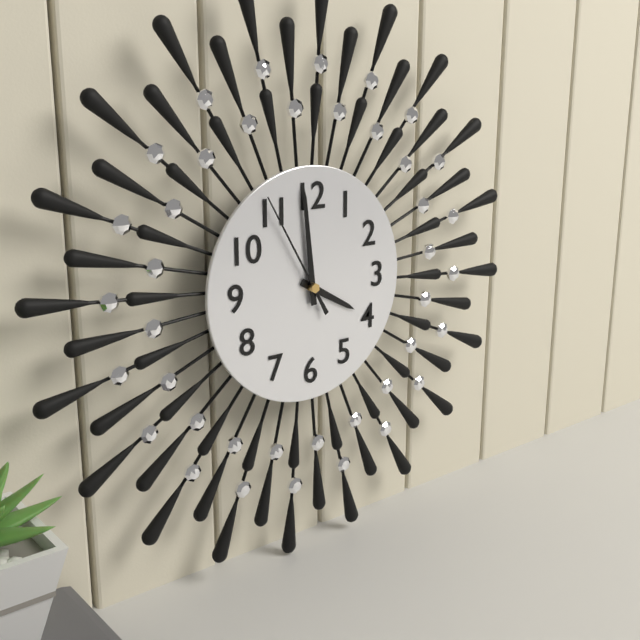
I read 3.59.55
